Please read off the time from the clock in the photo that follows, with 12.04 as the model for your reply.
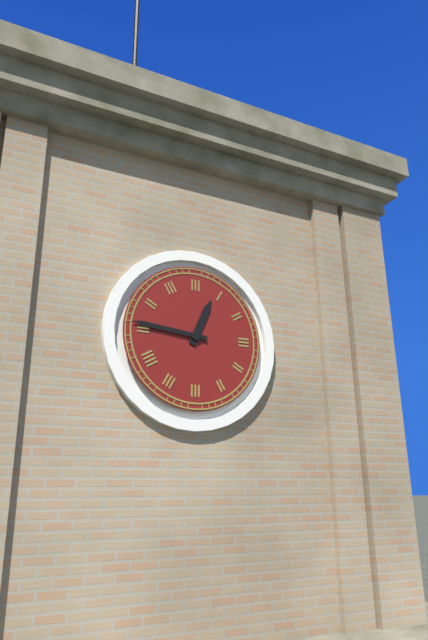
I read 12.46
